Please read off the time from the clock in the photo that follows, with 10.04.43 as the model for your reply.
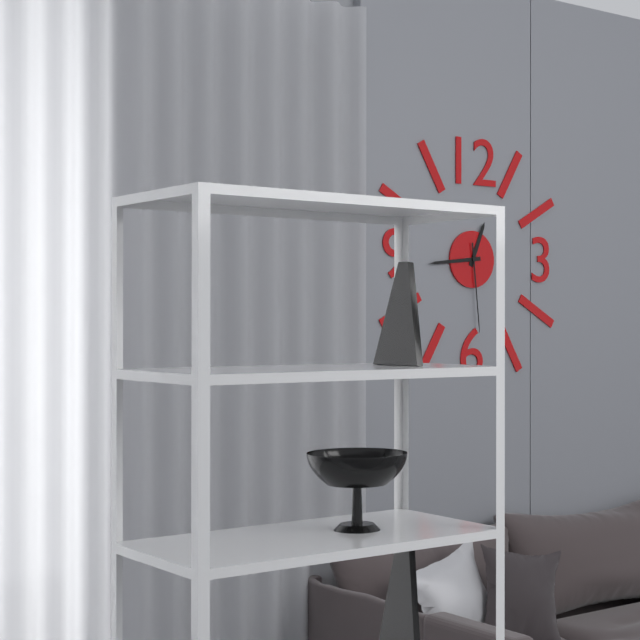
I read 12.44.29
